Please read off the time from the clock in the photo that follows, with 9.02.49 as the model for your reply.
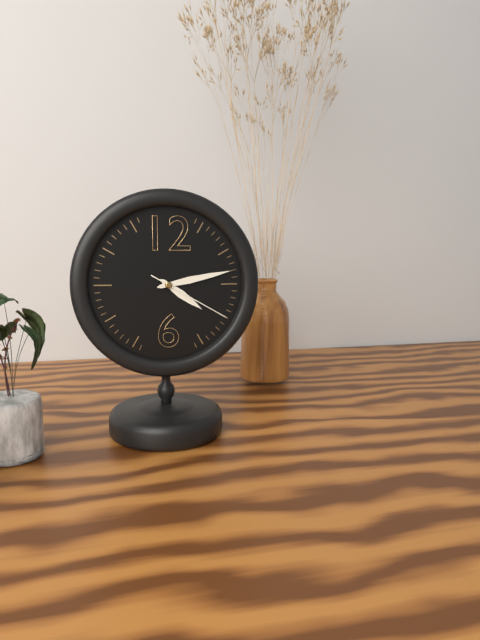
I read 4.13.20
